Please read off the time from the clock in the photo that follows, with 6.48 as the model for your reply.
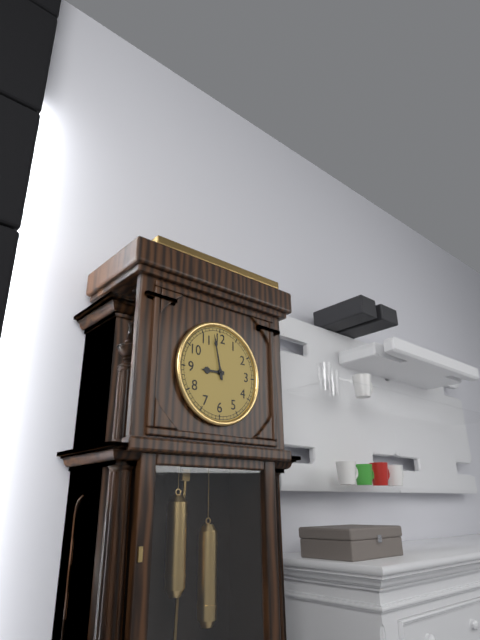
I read 8.58
